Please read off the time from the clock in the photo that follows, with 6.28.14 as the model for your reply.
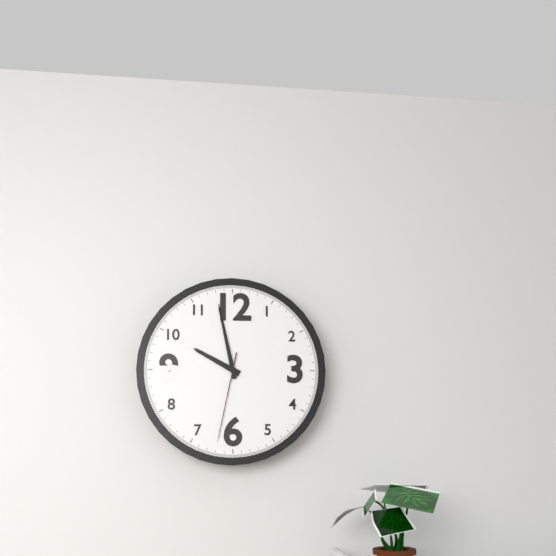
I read 9.58.32
